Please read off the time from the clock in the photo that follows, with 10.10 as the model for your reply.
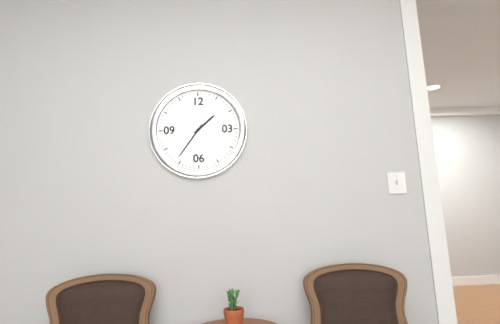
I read 1.36
